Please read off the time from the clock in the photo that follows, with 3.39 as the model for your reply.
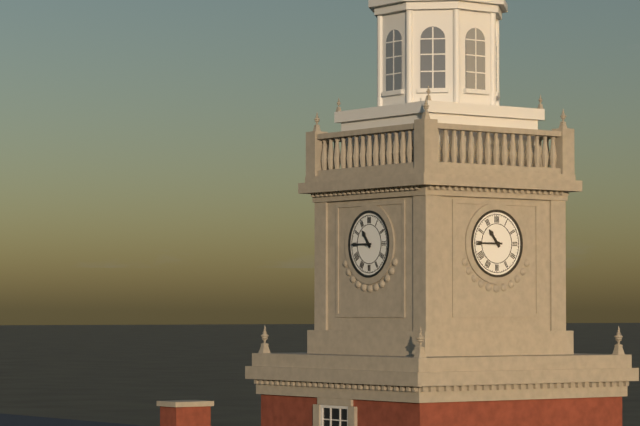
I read 10.45
